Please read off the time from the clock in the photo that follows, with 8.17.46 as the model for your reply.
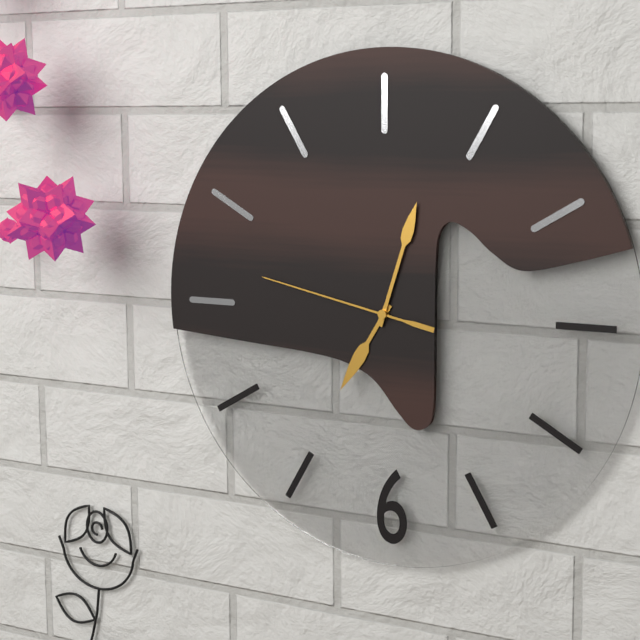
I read 7.03.47
